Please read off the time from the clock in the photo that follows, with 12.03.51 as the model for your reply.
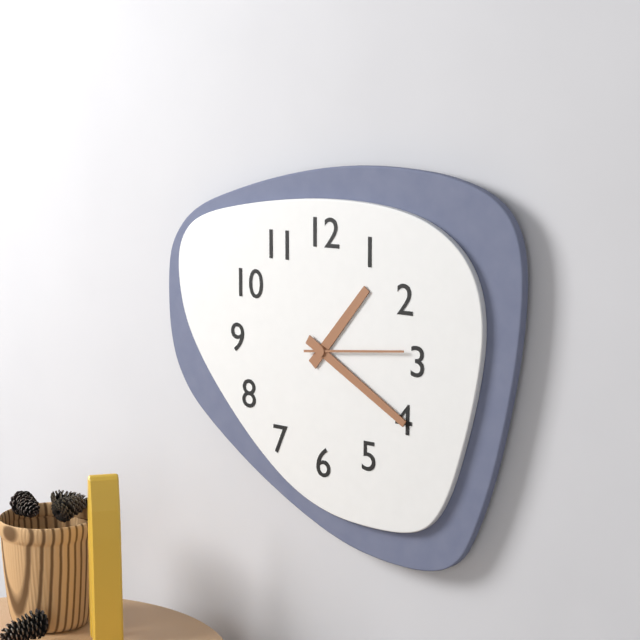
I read 1.20.14
